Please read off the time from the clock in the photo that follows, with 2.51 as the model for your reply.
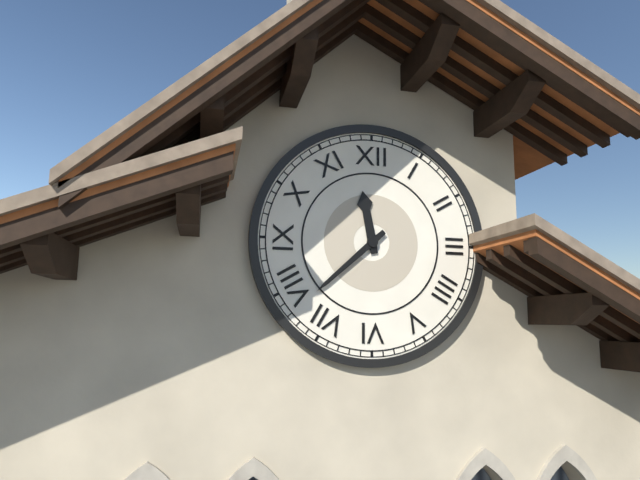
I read 11.38
